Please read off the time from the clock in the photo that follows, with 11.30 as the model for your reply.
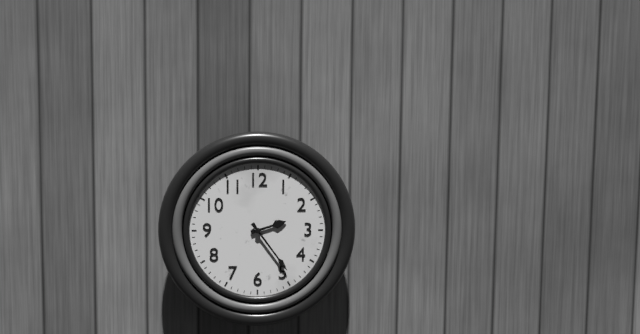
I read 2.24
